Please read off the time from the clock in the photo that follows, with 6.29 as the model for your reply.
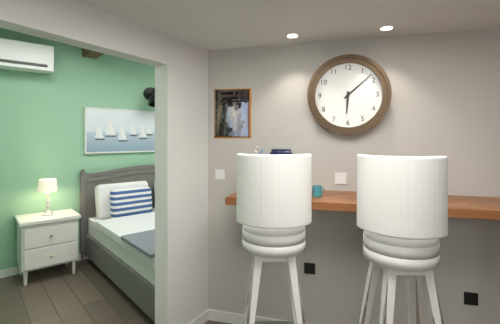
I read 6.08
